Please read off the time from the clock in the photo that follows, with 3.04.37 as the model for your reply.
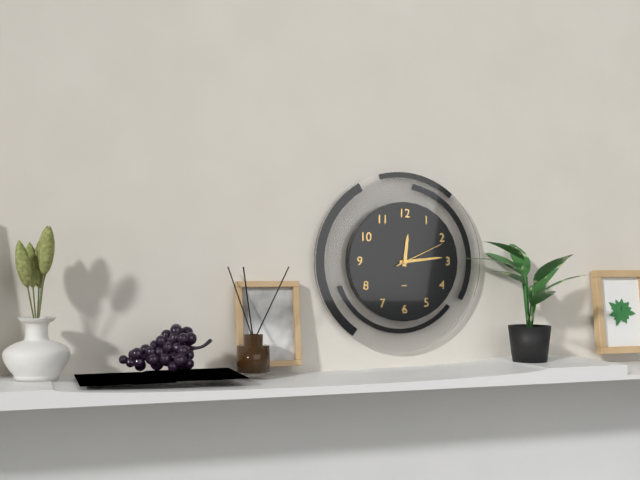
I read 12.14.11
